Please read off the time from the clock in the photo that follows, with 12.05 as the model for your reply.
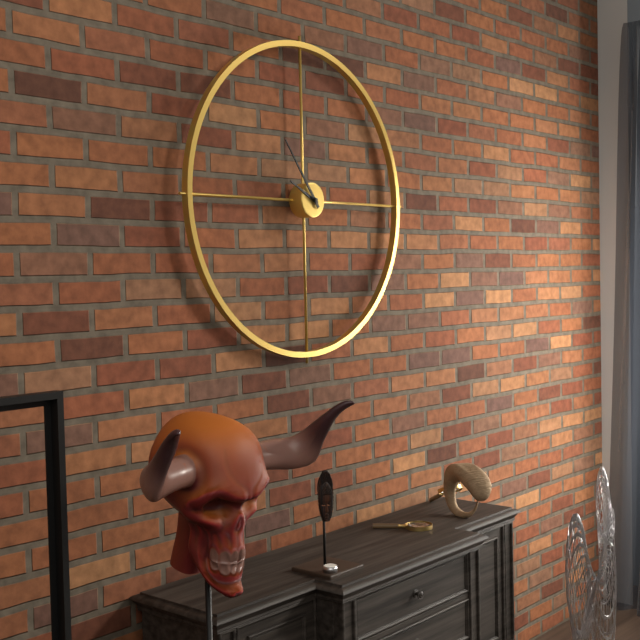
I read 9.54
